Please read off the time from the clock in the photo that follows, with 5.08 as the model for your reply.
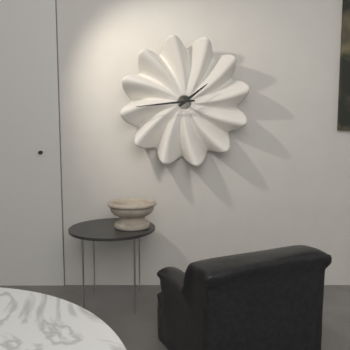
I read 1.44
